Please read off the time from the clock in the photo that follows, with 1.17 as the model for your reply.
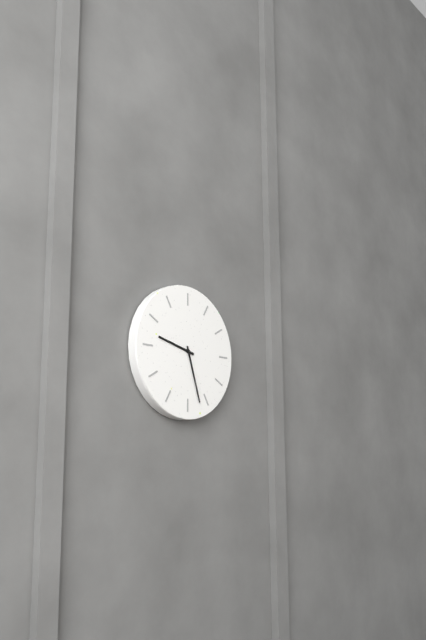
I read 9.27
